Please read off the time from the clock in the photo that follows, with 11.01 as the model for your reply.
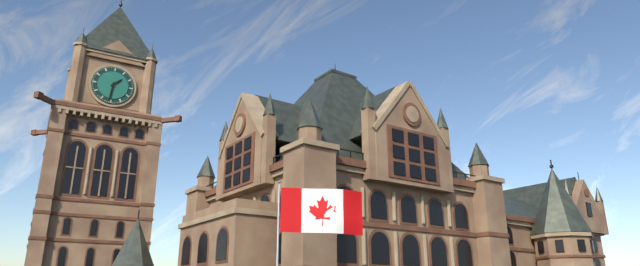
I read 1.31
